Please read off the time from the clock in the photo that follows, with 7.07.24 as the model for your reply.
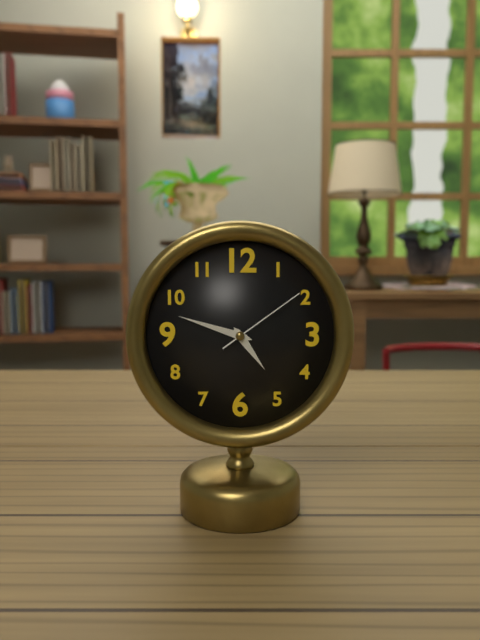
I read 4.48.09
